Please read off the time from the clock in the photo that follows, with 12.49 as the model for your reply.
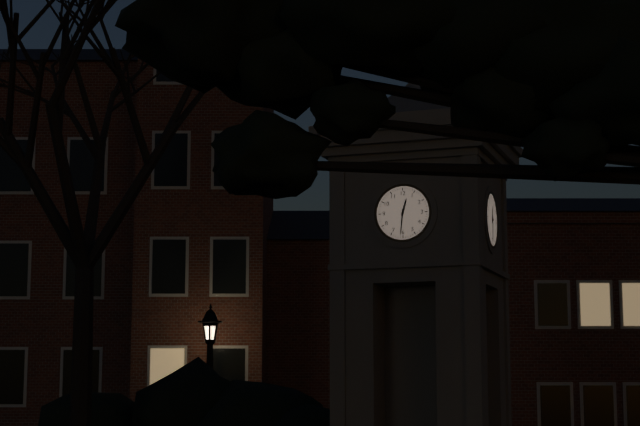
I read 12.31
